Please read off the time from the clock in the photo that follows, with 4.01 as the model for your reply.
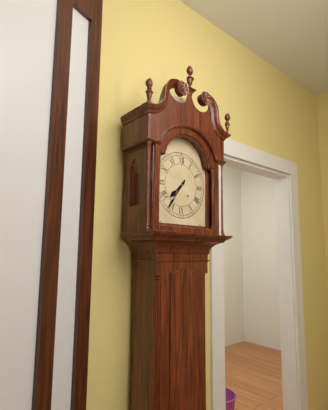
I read 7.36
